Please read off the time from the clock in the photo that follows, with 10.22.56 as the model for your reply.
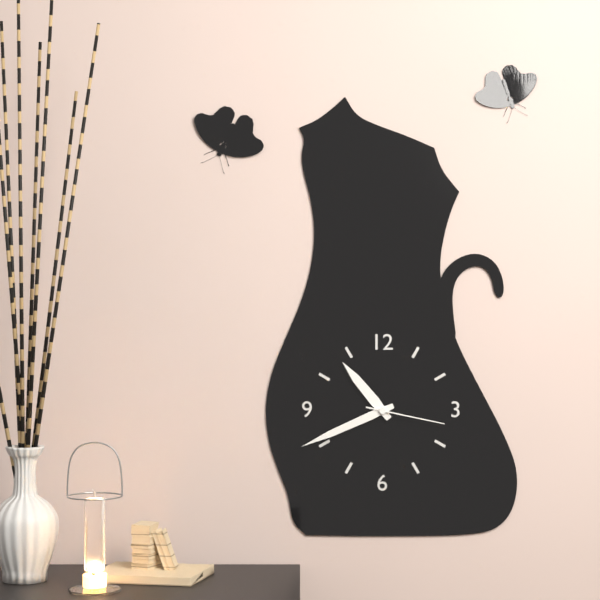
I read 10.41.17
